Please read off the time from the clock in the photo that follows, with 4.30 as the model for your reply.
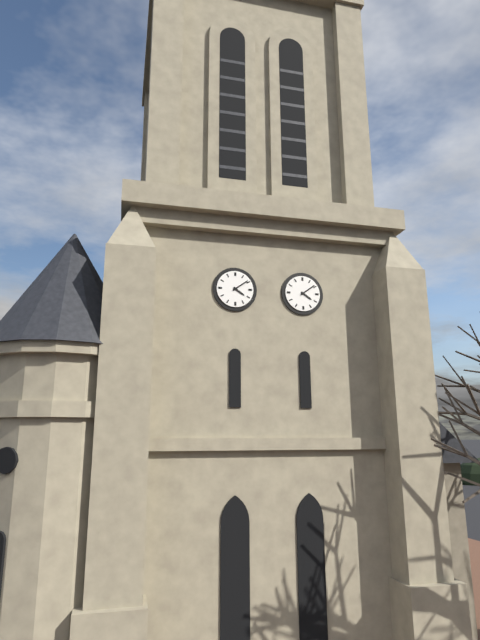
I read 4.09
